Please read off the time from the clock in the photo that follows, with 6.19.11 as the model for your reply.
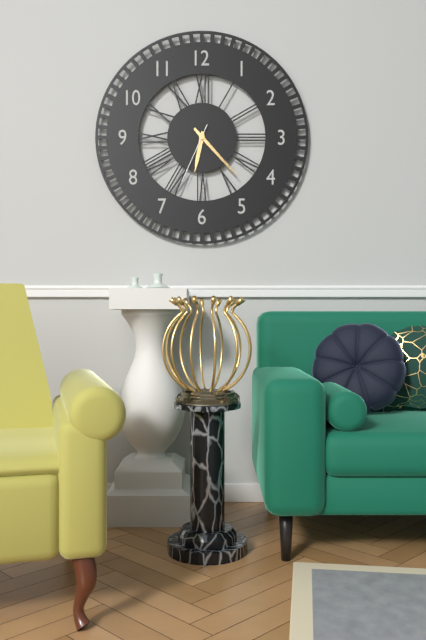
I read 6.23.34
